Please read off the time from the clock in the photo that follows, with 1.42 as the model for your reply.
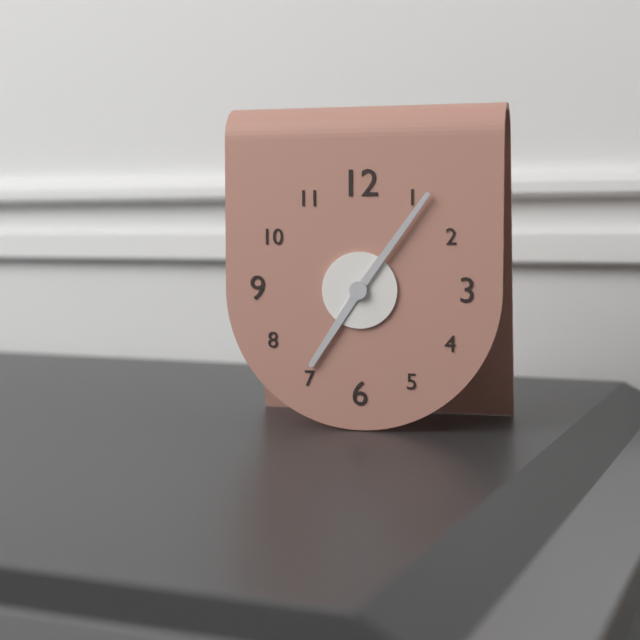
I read 7.06
